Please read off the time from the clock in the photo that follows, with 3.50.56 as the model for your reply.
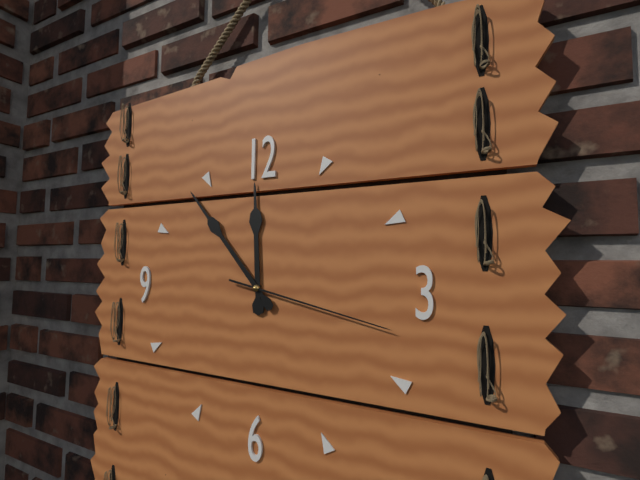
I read 11.53.17
